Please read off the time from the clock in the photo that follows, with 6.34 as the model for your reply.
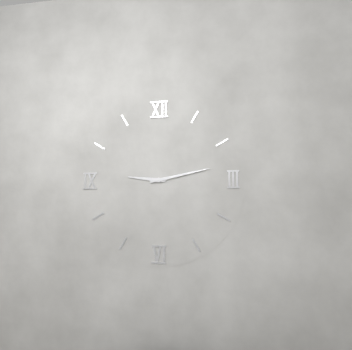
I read 9.13
